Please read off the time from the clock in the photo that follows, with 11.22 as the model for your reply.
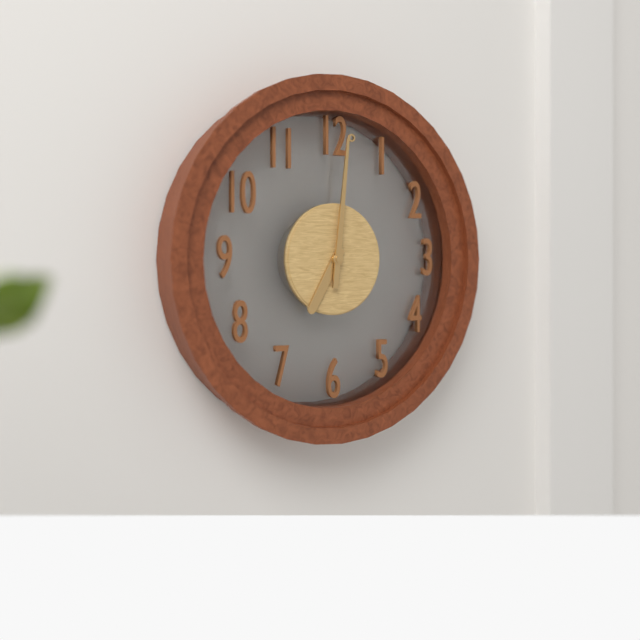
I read 7.01
